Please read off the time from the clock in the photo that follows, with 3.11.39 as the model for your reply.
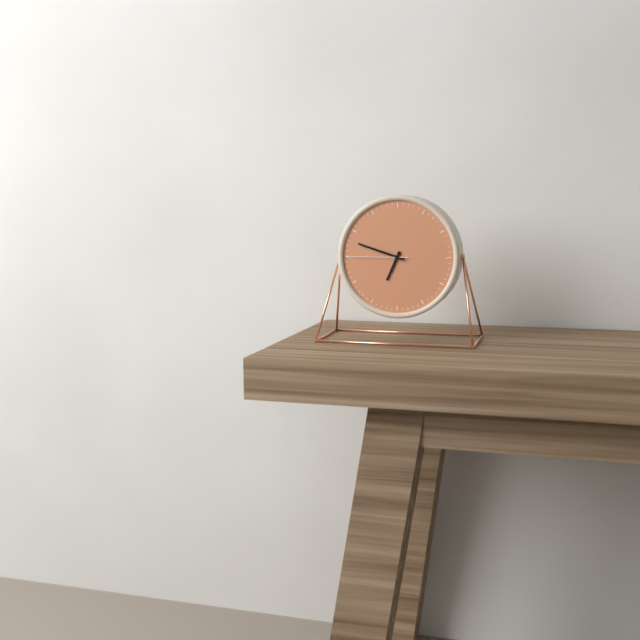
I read 6.48.45
